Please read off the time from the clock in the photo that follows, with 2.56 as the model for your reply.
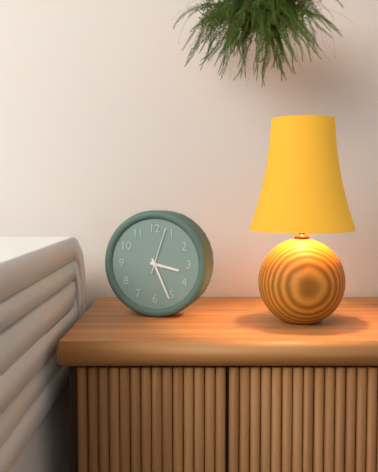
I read 3.26
